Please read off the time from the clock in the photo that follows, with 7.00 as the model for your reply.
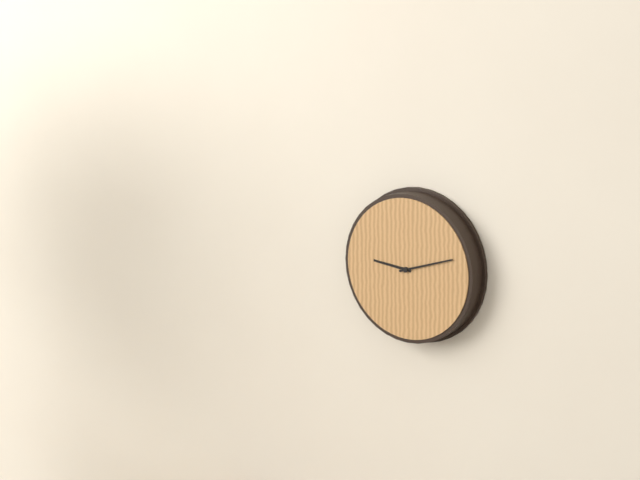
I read 9.12
